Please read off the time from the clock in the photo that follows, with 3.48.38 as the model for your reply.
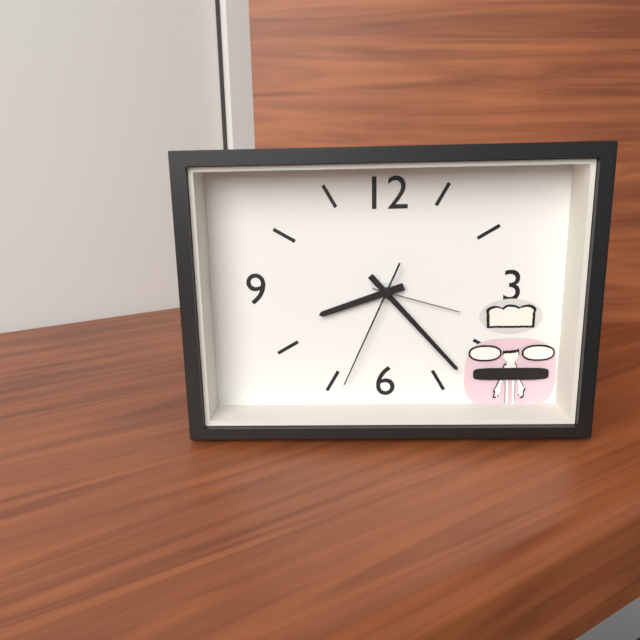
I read 8.23.34
